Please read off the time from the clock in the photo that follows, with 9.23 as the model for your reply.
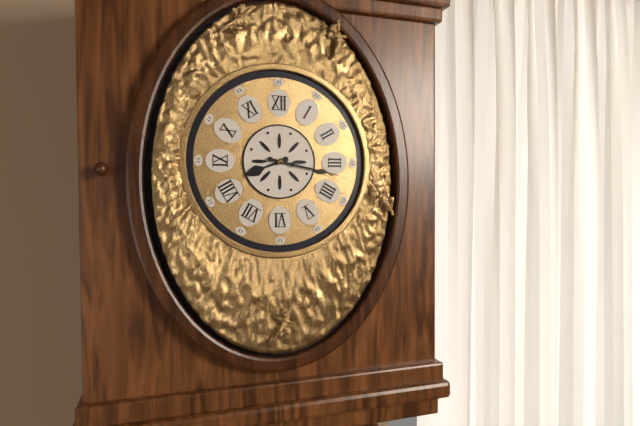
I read 8.17
